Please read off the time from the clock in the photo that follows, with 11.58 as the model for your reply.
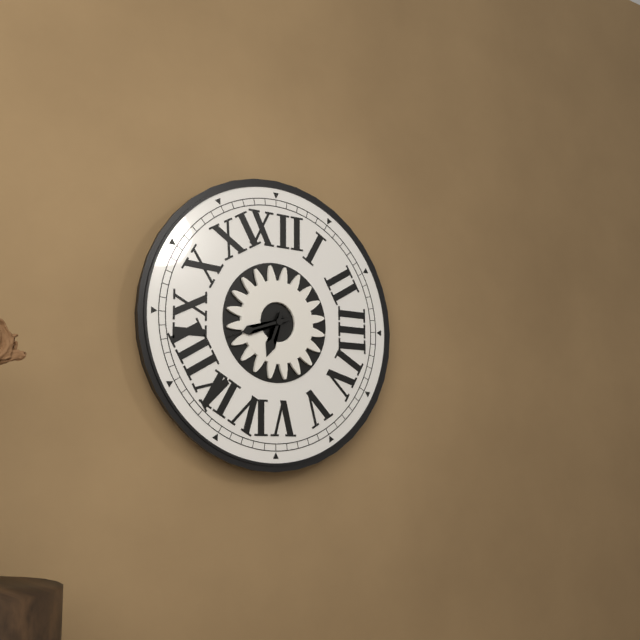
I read 6.42
